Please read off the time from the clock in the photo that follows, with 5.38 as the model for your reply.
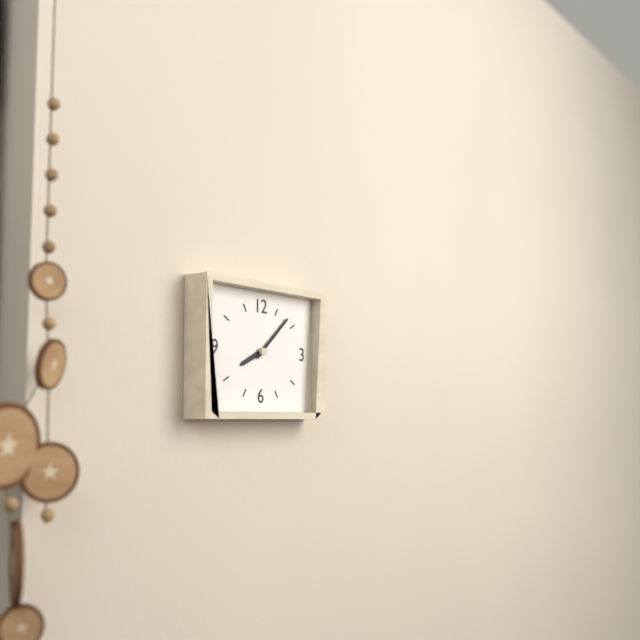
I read 8.08
